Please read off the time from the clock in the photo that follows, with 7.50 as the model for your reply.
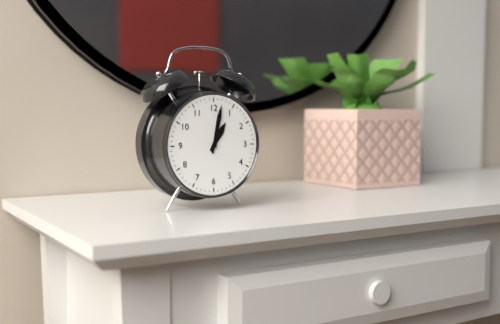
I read 1.02
